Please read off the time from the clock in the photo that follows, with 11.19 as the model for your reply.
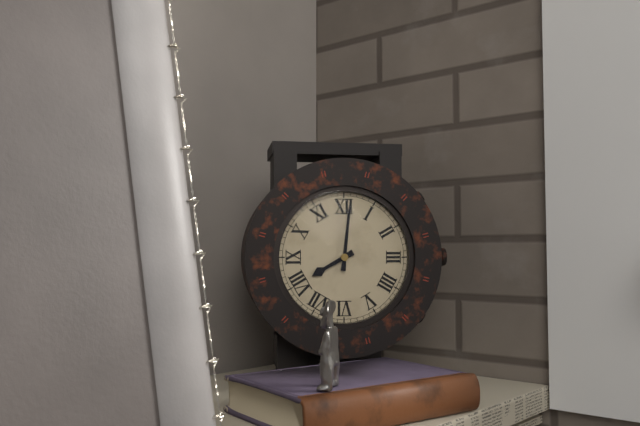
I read 8.01
